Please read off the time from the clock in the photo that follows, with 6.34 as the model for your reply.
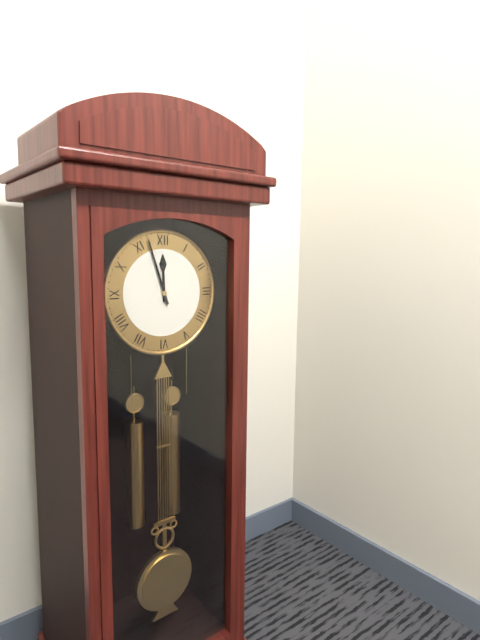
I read 11.57
